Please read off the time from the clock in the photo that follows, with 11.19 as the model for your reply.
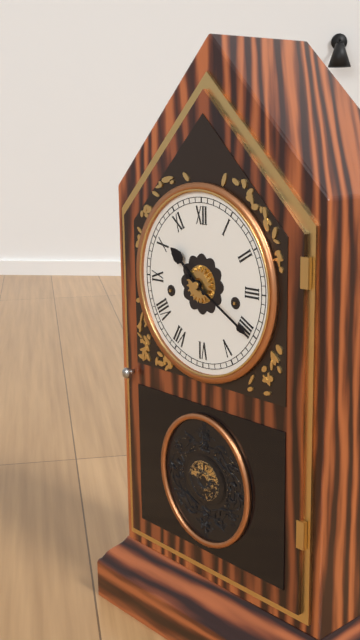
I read 10.20
